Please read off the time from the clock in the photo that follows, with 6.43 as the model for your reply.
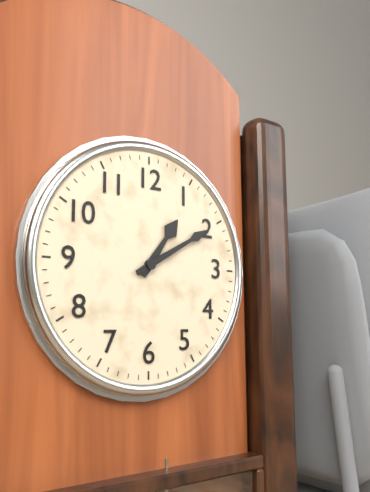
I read 1.10
